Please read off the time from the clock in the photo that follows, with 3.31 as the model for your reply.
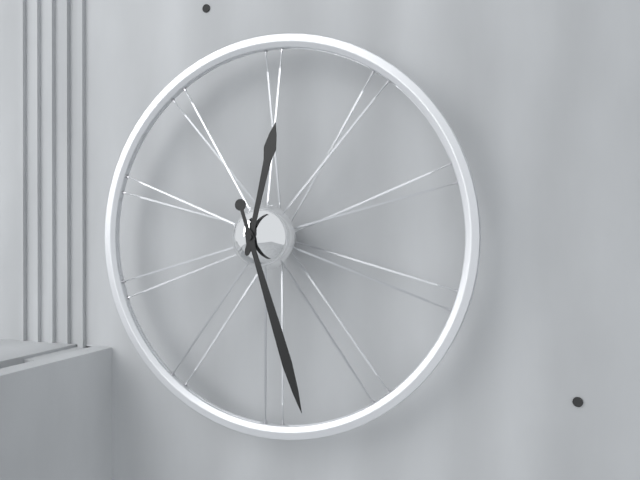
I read 12.27
